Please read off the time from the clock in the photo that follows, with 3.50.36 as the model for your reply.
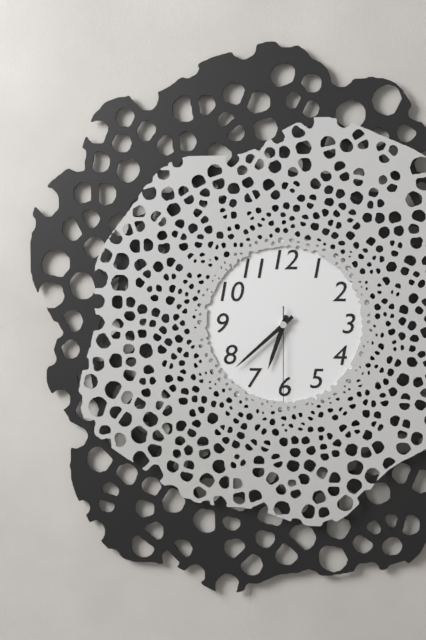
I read 6.38.30
